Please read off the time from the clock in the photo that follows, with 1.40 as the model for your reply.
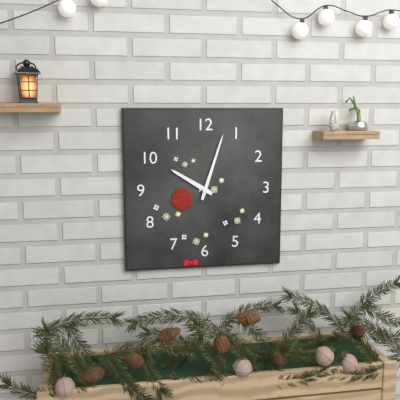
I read 10.03
